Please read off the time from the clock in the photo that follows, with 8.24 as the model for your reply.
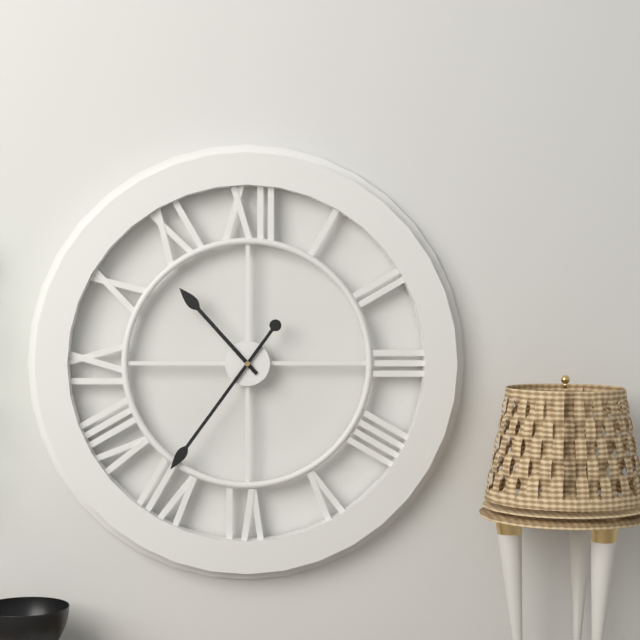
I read 10.36
